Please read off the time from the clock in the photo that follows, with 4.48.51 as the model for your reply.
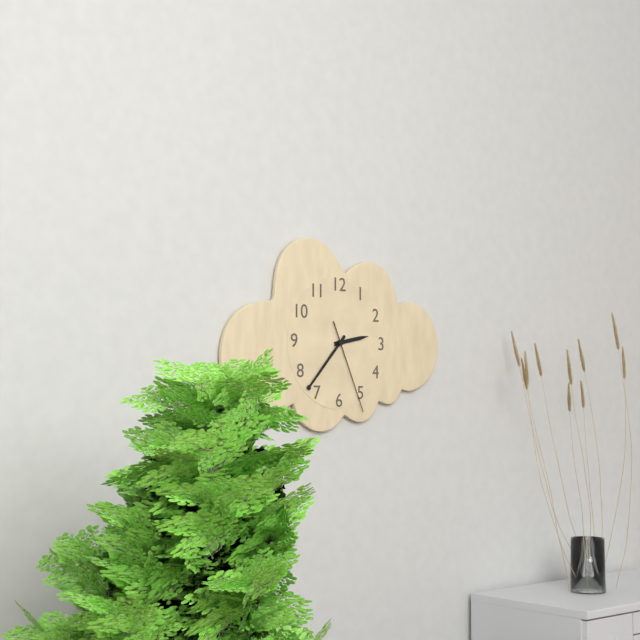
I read 2.37.26
